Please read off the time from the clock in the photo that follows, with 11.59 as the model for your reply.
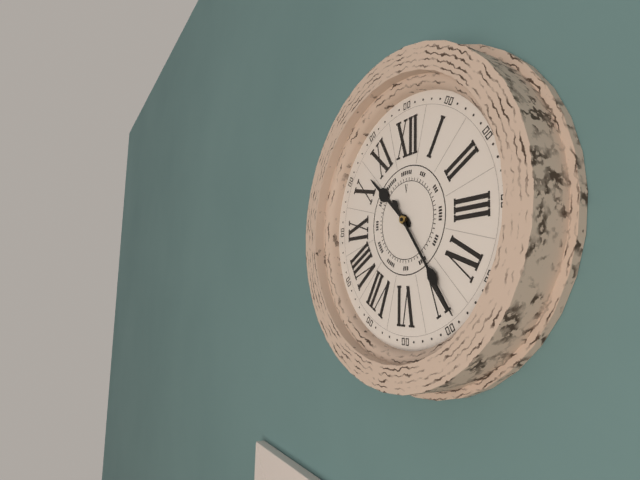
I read 10.24
